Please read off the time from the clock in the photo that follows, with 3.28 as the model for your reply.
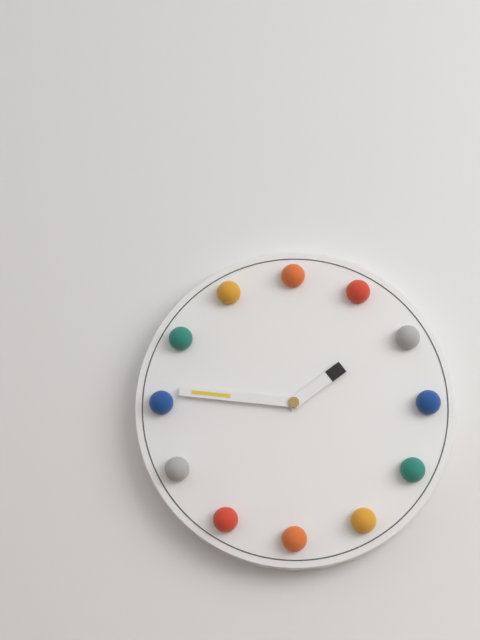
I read 1.46
